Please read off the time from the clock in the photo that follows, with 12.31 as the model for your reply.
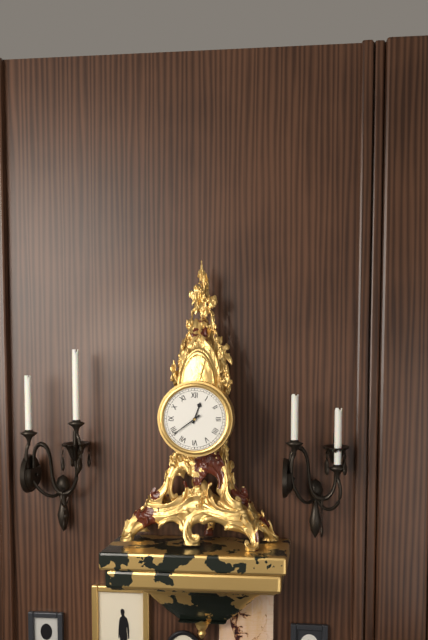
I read 12.39
